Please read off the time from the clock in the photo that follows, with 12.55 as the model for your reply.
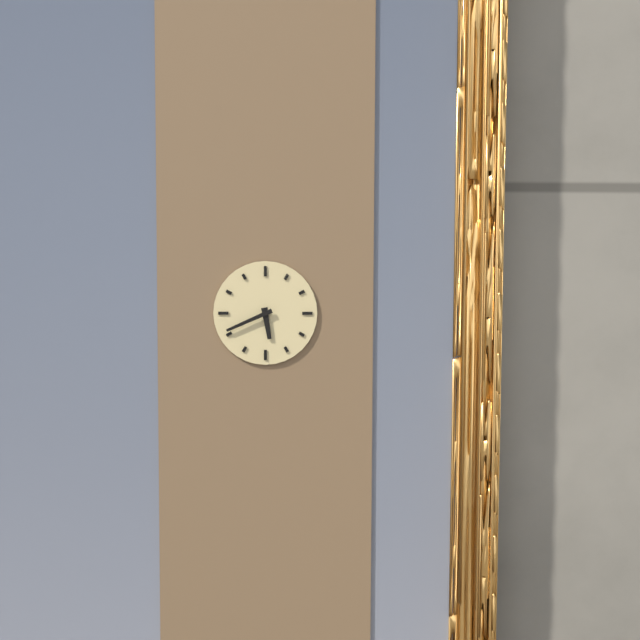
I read 5.41
